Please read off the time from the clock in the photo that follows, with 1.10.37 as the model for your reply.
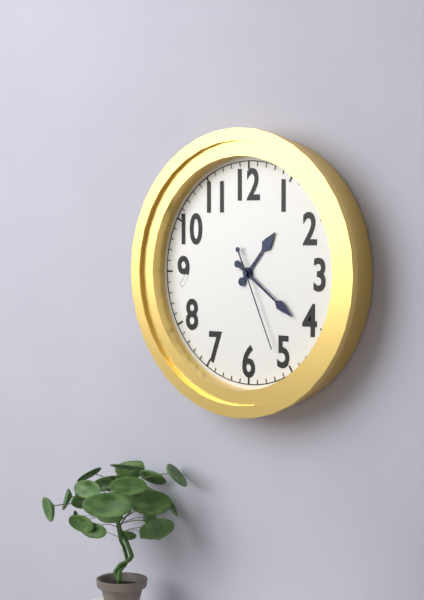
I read 1.21.26
